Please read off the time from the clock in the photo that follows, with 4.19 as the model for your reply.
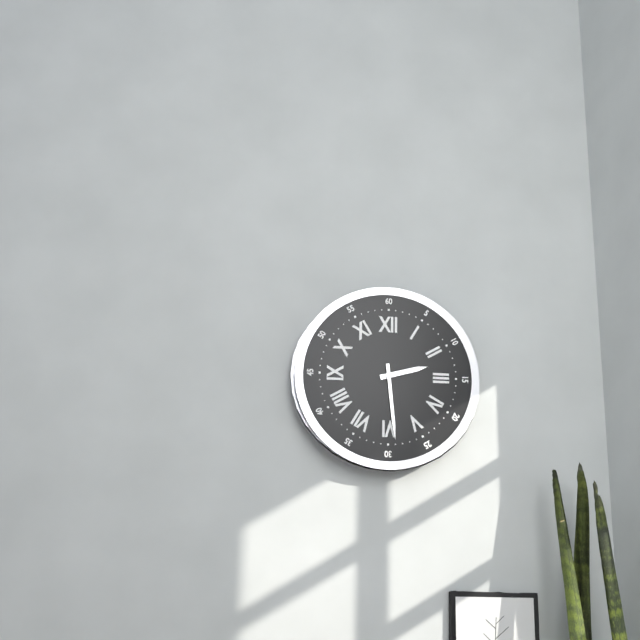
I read 2.29
